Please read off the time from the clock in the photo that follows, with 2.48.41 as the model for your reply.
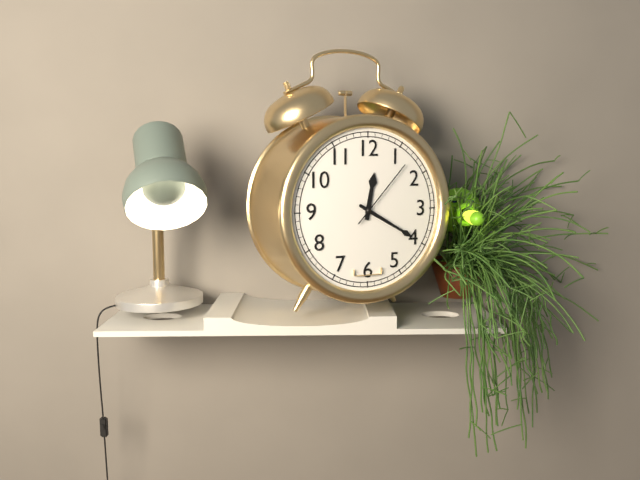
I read 12.20.07
